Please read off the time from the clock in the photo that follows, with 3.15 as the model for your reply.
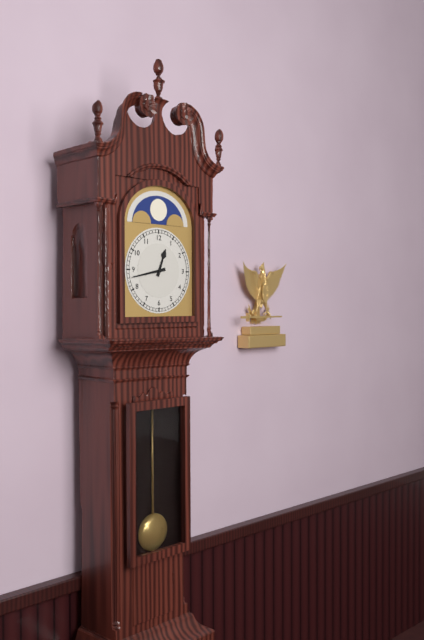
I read 12.43
